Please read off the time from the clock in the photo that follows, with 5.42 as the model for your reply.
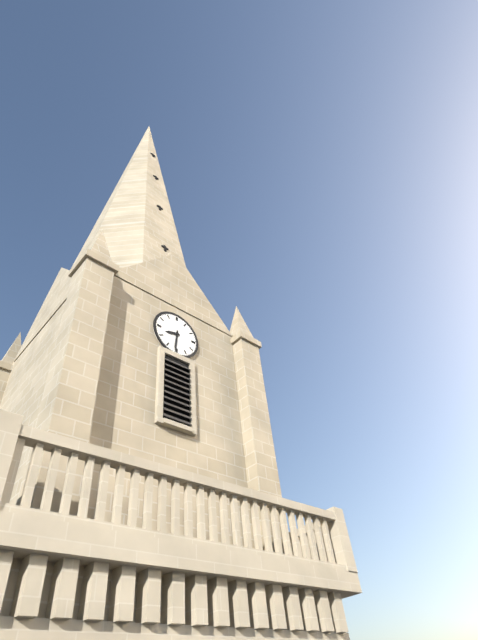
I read 8.31
